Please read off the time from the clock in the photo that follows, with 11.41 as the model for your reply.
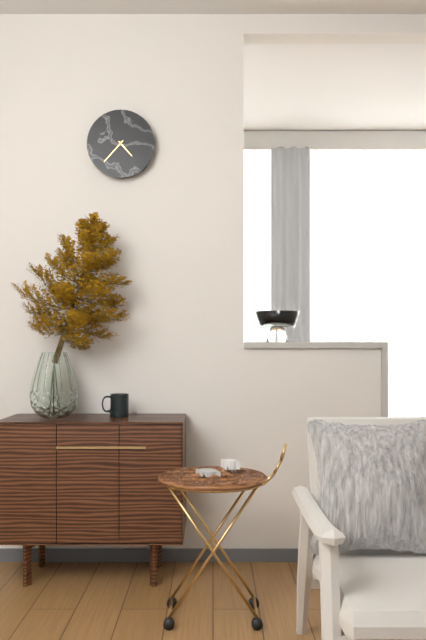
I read 4.37
